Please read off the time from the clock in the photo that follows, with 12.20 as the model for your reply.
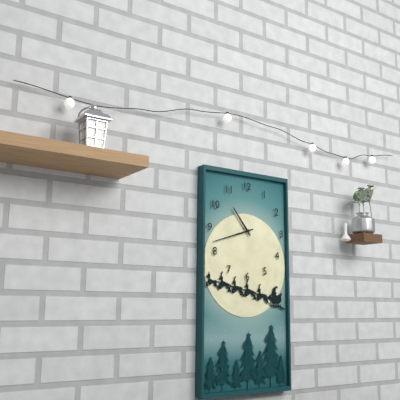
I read 10.42
